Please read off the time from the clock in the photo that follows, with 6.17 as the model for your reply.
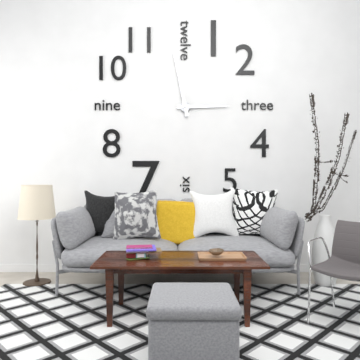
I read 2.58
